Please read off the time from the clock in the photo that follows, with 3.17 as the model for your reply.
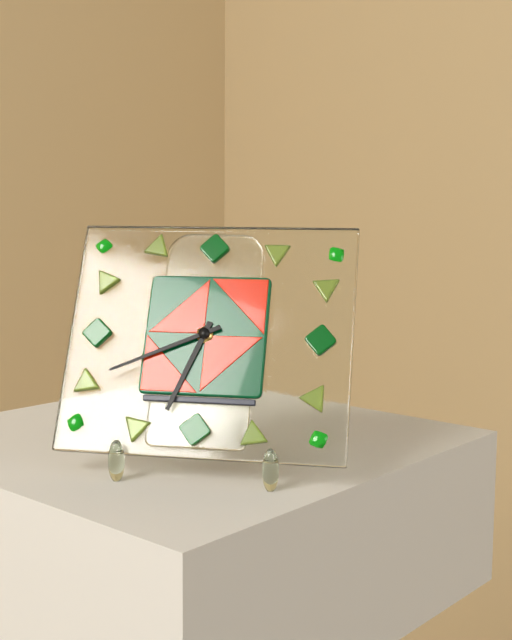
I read 6.41
